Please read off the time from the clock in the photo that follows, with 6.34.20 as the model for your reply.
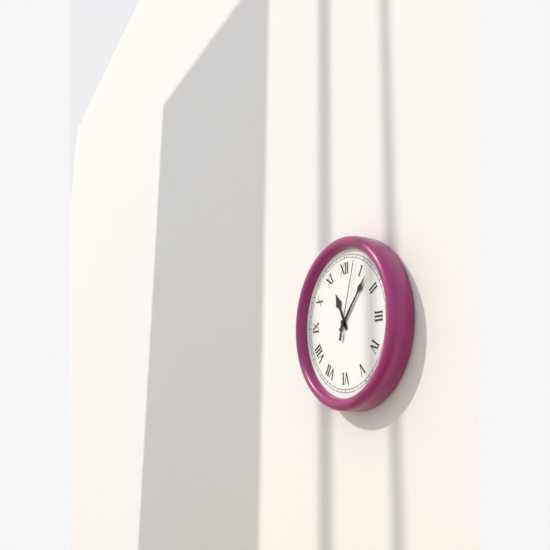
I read 11.07.03
